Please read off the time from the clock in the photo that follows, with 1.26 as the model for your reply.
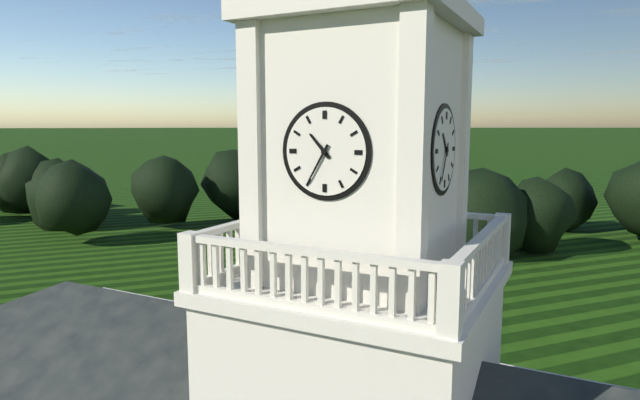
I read 10.35
